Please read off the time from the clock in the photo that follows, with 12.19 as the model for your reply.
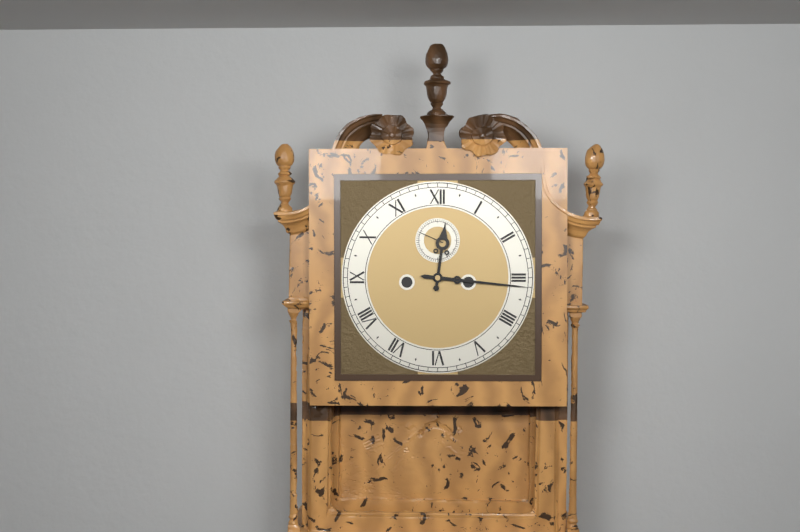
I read 12.16
